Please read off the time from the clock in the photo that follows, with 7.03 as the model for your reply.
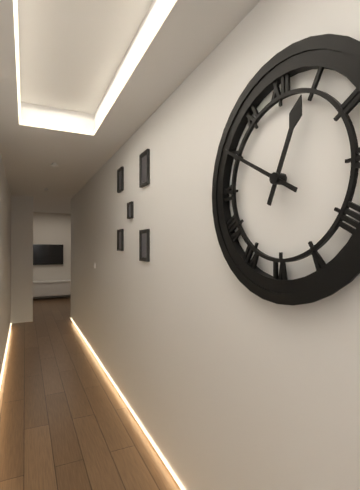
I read 12.50
